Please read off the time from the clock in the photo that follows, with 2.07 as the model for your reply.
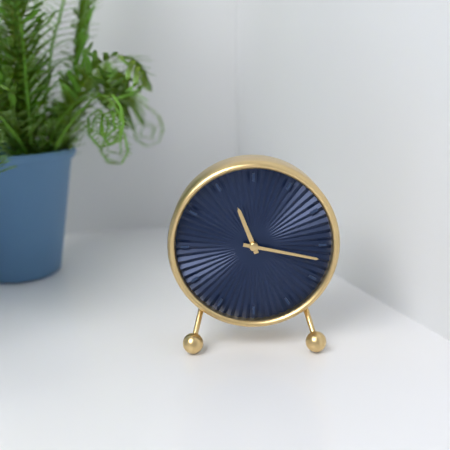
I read 11.17
